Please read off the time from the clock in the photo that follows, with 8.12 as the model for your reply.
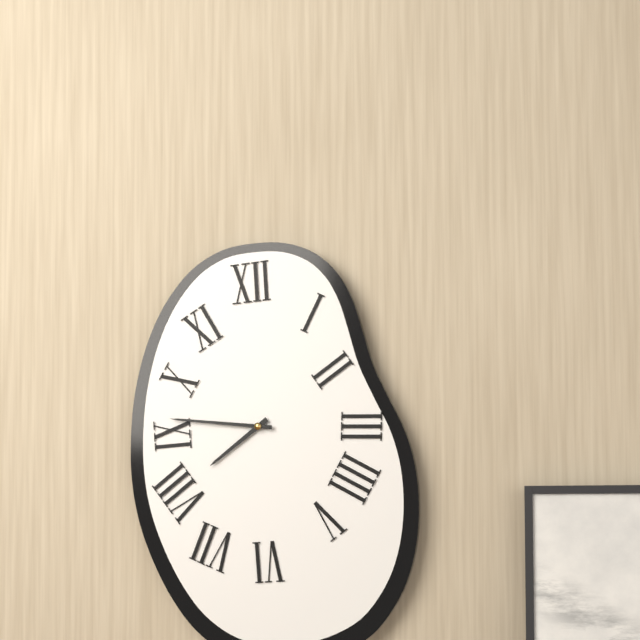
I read 7.46
